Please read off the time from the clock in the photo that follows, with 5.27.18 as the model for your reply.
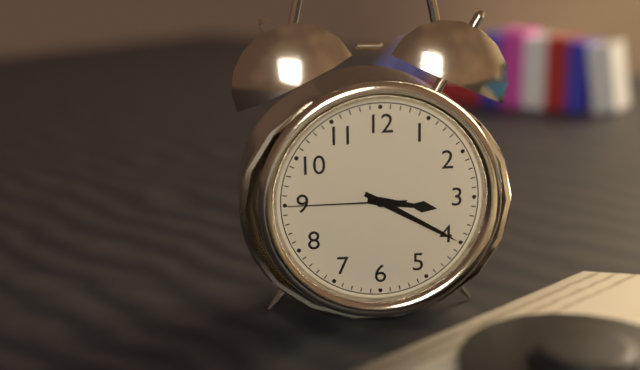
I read 3.20.45
